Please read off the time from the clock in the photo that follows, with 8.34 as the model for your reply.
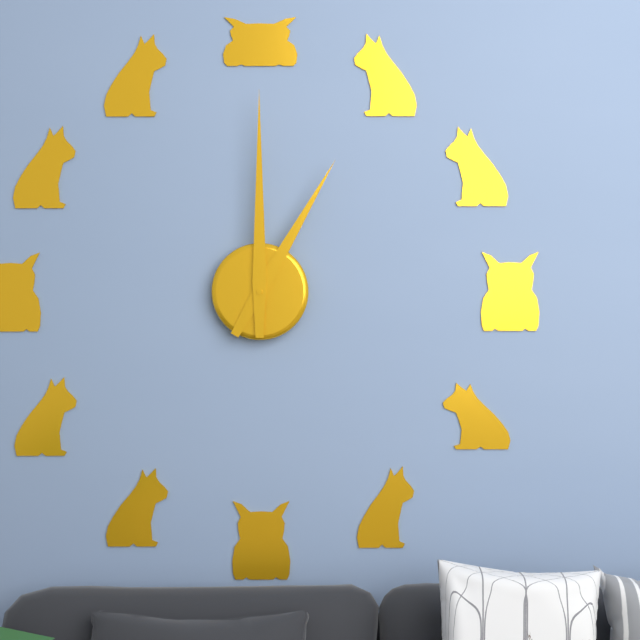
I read 1.00
